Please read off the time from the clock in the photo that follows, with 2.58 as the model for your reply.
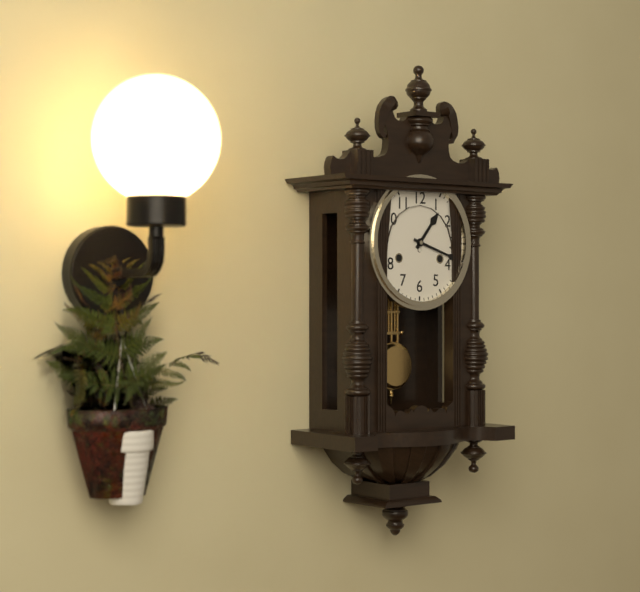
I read 1.18
